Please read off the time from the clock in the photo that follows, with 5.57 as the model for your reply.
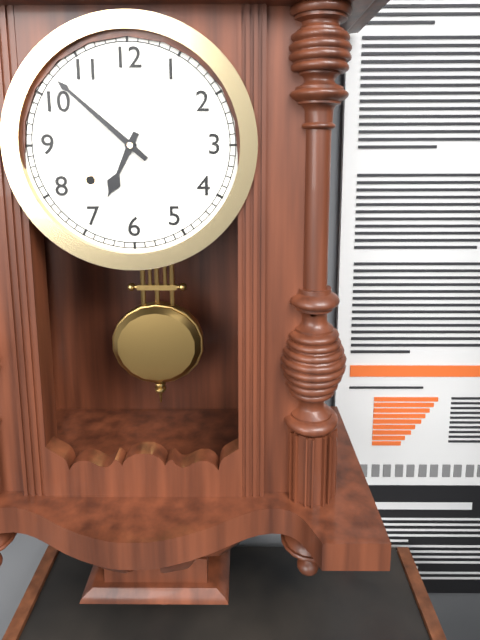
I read 6.52
